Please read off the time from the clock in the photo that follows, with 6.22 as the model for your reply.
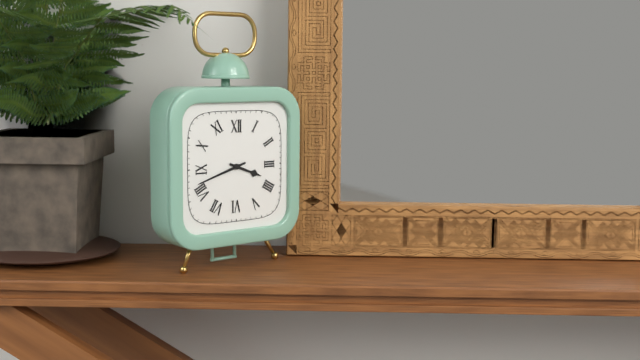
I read 3.42
